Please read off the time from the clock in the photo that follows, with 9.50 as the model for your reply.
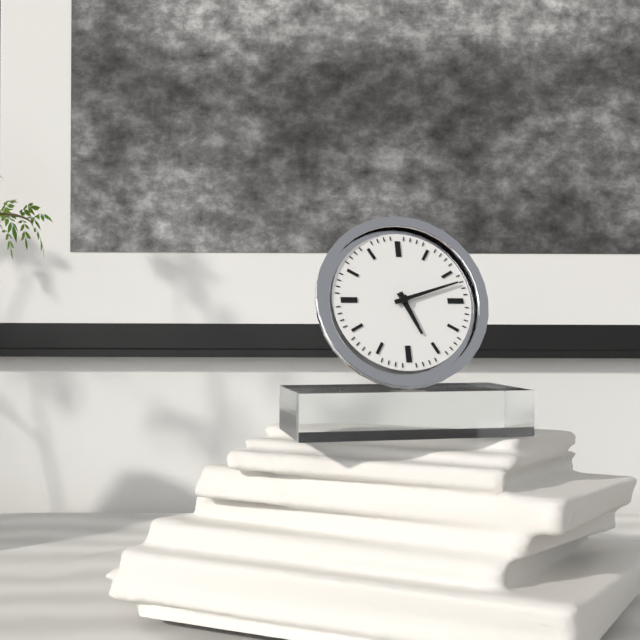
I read 5.12
